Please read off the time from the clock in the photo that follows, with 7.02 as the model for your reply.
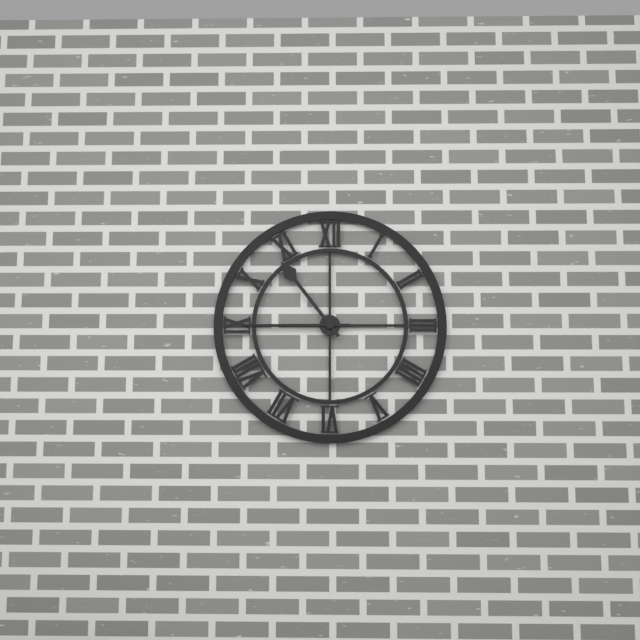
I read 10.45
